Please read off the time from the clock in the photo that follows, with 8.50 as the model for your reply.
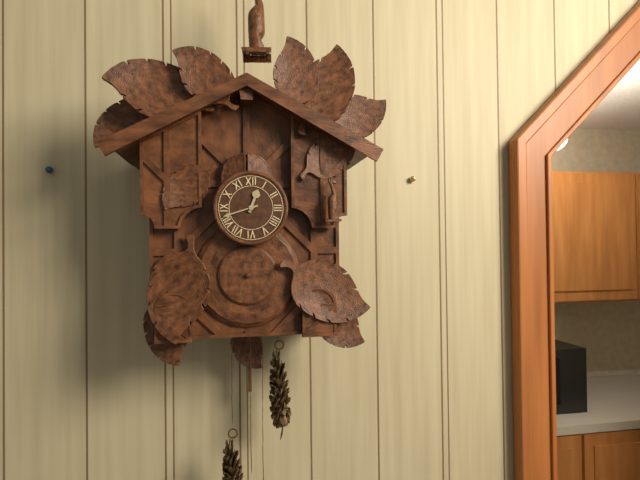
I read 12.42
